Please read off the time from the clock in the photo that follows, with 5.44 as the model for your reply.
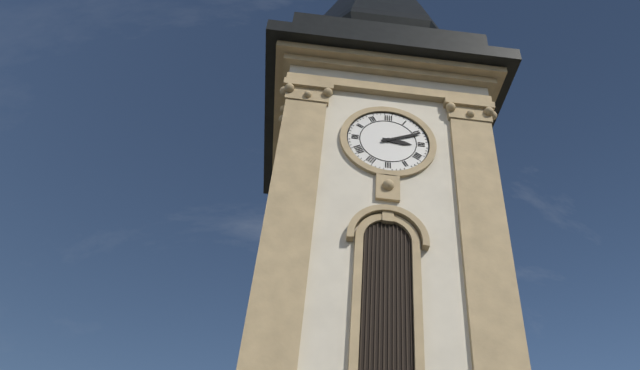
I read 3.11
